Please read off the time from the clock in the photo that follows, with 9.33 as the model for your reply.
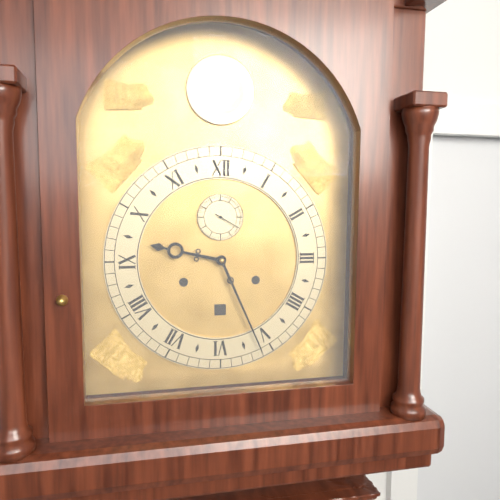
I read 9.26
